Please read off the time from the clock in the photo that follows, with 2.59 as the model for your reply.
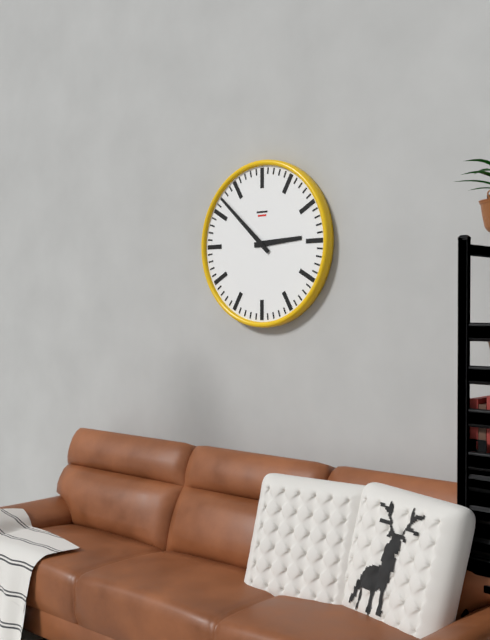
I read 2.52
